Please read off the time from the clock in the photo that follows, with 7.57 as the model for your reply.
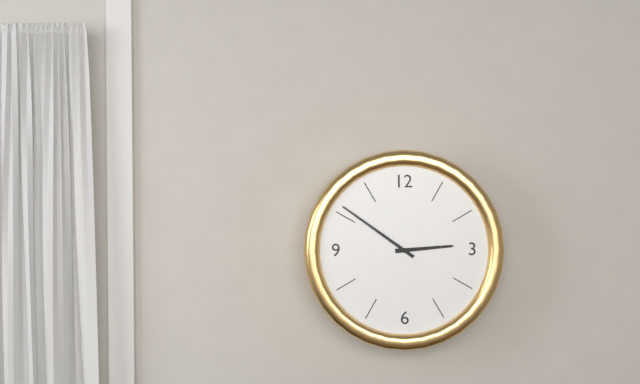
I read 2.51
